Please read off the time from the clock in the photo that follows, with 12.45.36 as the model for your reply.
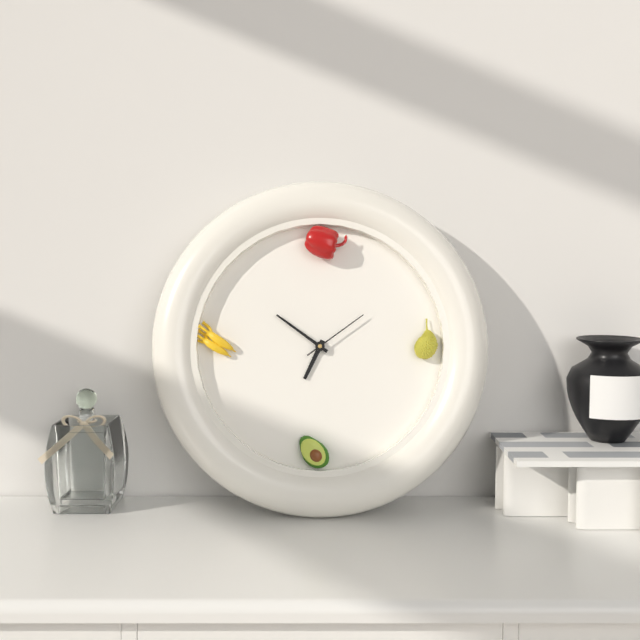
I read 6.51.09
